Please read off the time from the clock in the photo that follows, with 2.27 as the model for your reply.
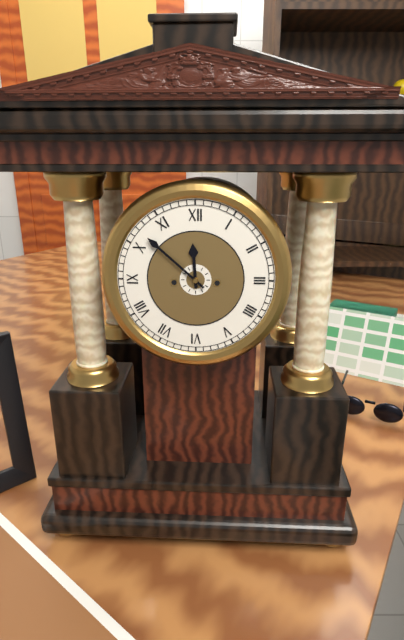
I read 11.52
